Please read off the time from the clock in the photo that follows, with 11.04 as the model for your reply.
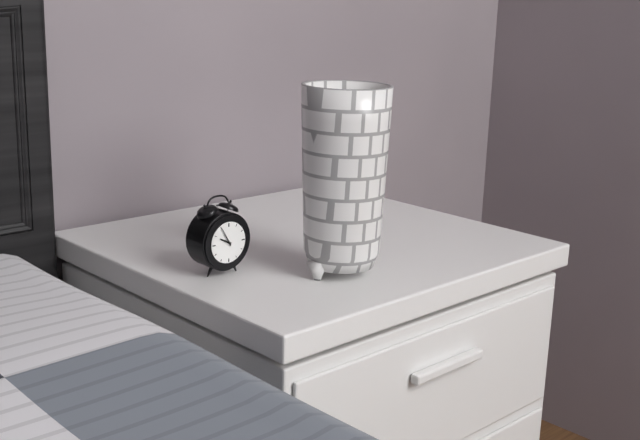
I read 9.55
